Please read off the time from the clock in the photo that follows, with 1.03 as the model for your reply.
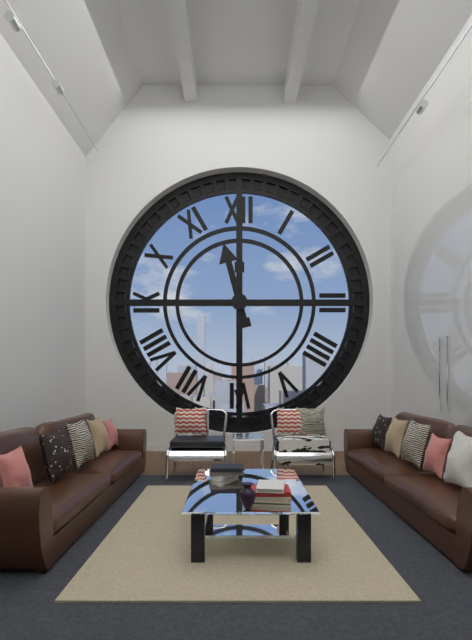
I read 11.30
